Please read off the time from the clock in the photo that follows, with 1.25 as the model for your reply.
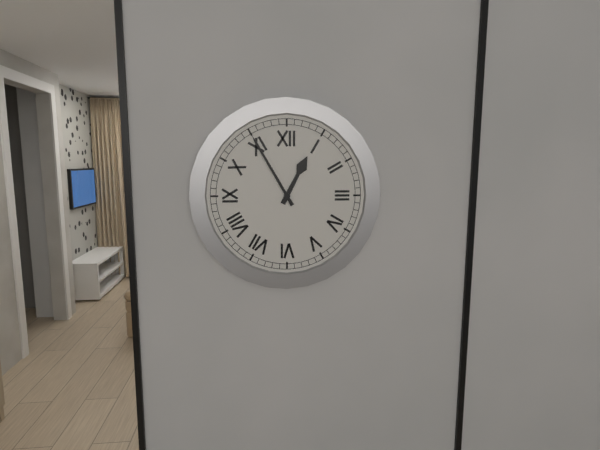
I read 12.55
